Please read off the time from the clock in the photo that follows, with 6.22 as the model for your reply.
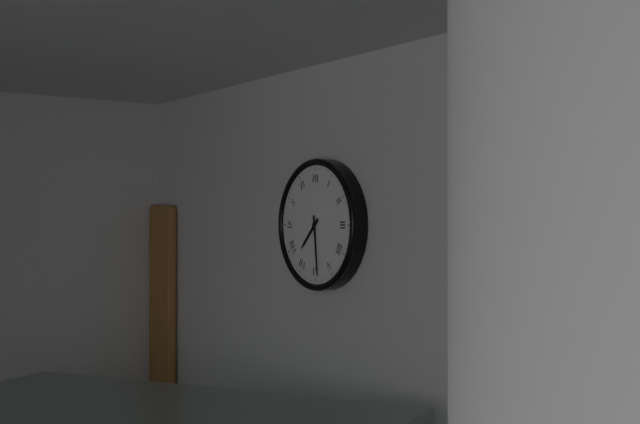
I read 7.29
